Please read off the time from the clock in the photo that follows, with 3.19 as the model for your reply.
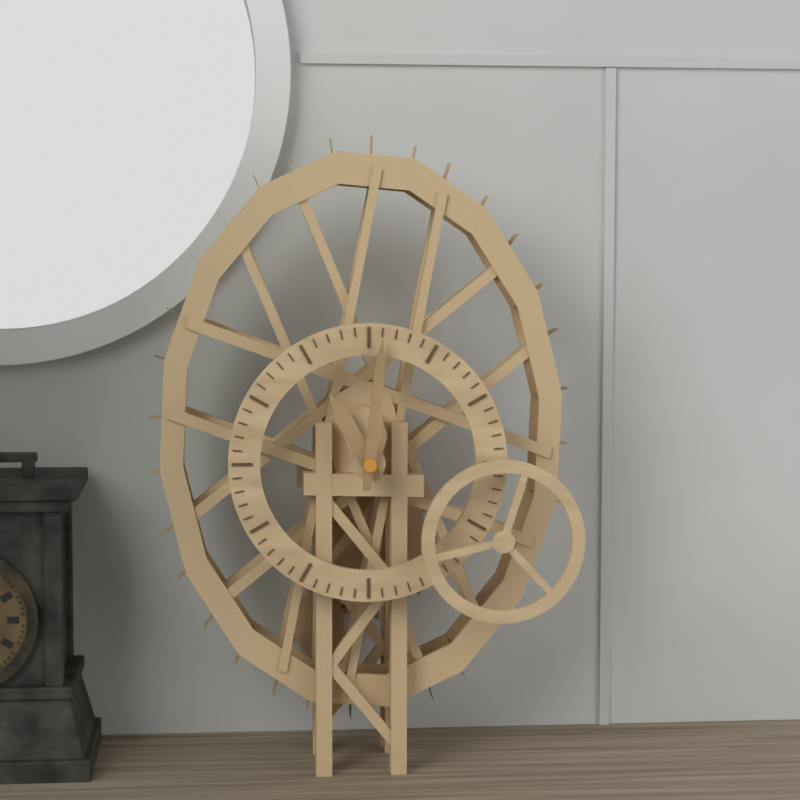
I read 11.01
